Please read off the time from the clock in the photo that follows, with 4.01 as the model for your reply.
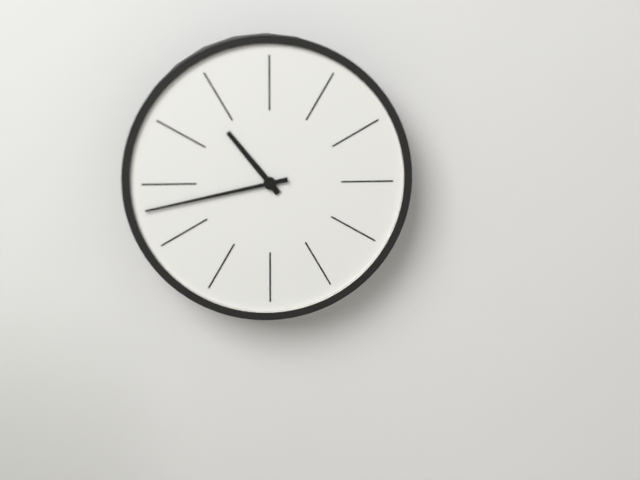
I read 10.43
